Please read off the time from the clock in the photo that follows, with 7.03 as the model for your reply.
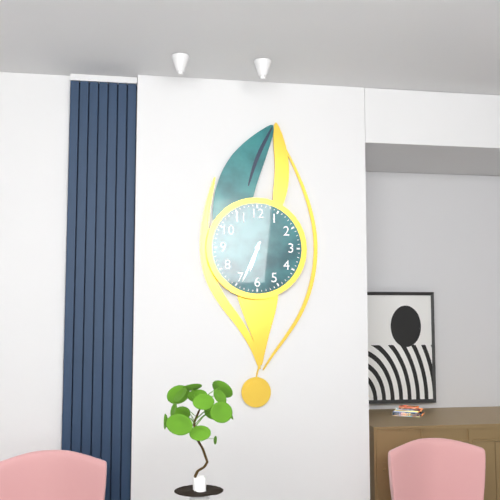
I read 6.34
